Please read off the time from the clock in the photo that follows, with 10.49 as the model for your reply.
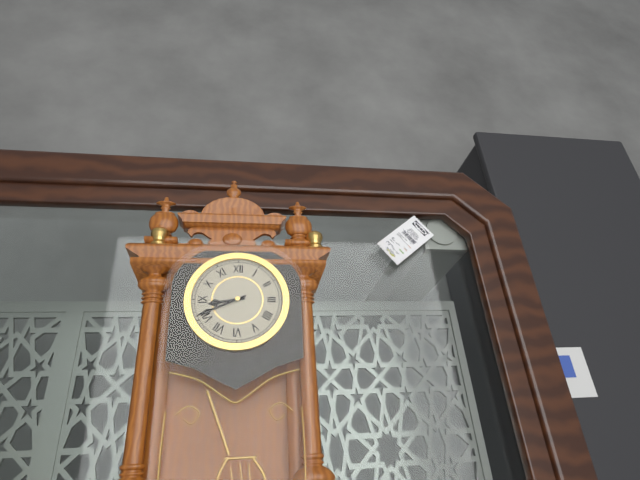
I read 8.41
